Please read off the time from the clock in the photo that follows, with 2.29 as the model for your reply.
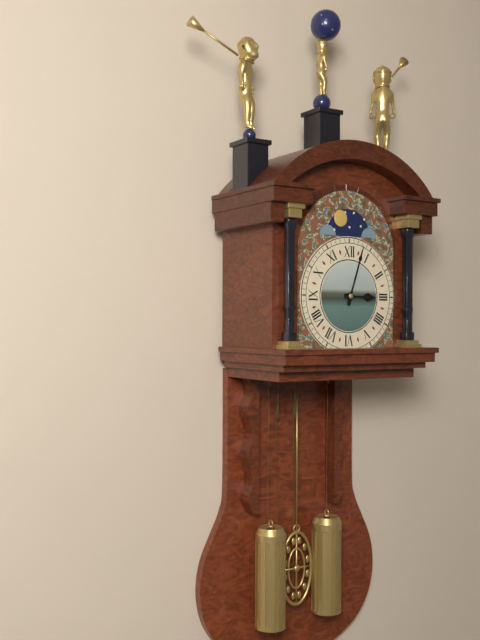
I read 3.03
